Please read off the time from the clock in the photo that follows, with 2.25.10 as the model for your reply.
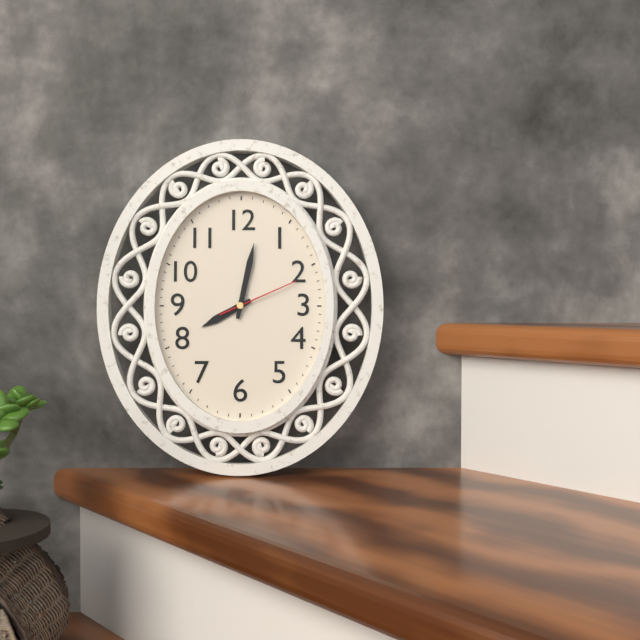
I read 8.02.11
